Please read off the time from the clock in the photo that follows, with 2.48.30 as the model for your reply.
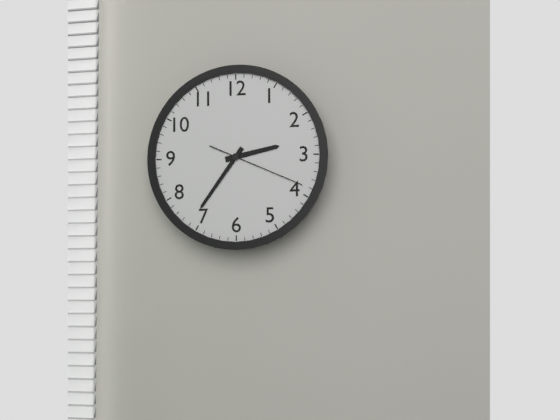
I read 2.36.19
